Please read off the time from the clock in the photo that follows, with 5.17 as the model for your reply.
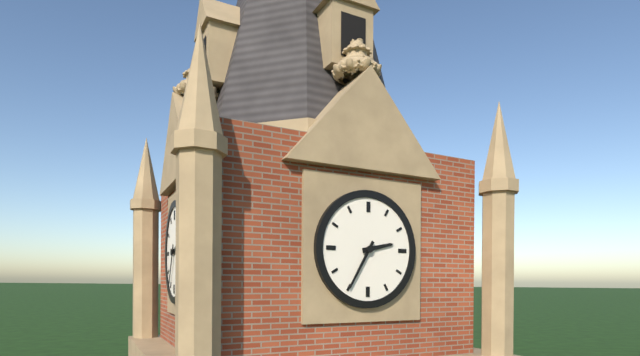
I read 2.35
